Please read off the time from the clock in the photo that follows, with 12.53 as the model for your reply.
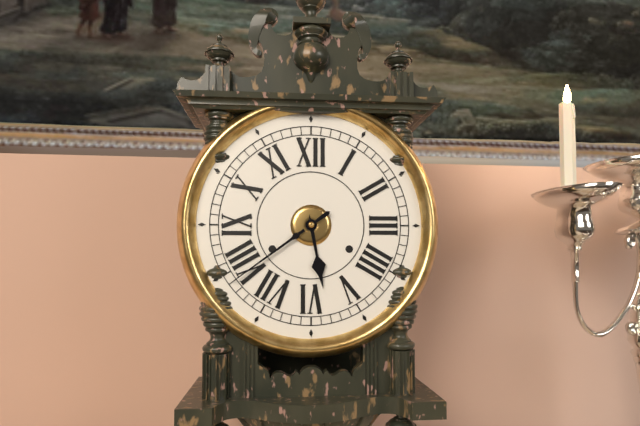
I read 5.39
